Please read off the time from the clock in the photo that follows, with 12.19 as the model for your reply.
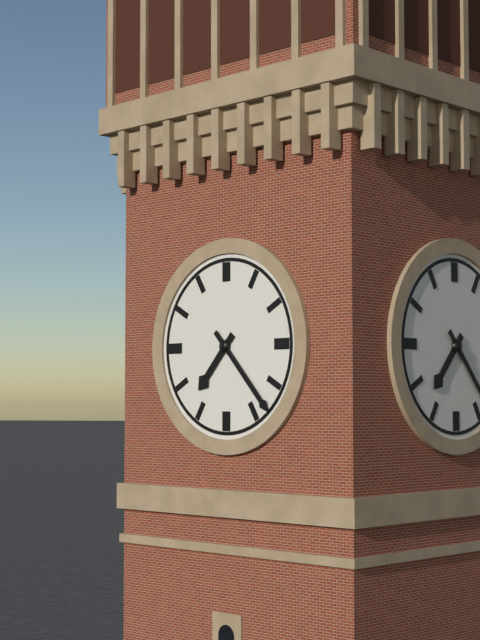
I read 7.23
